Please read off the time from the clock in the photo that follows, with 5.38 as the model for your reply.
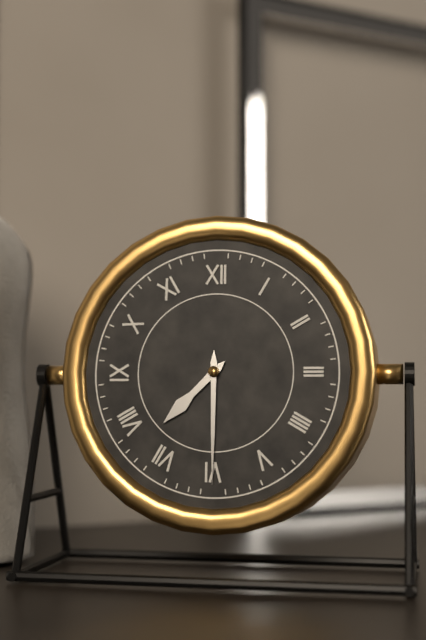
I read 7.30
